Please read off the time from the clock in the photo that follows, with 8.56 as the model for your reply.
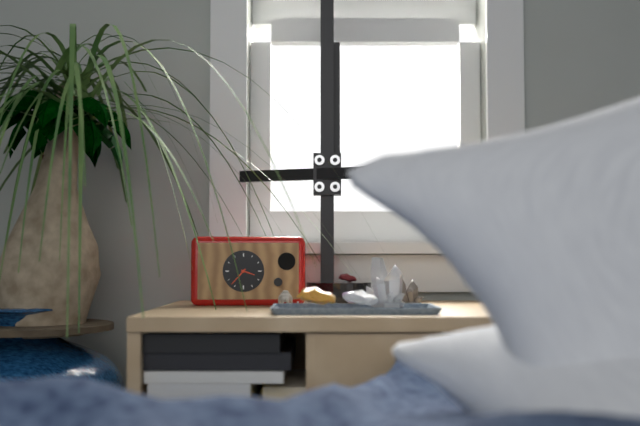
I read 3.37
